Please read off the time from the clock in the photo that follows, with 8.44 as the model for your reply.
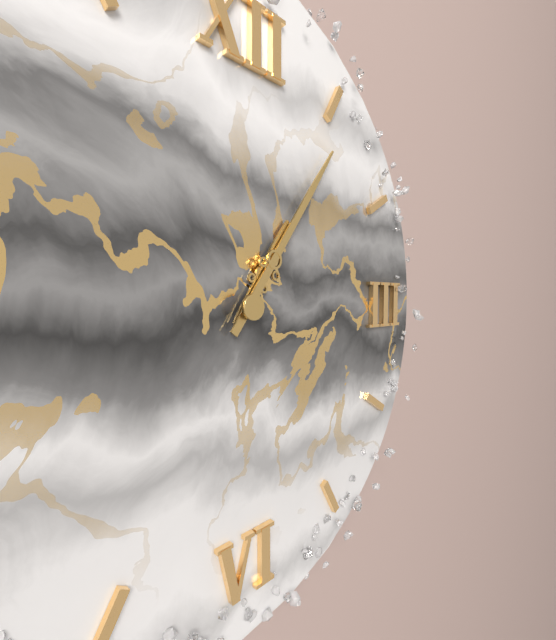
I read 1.06
